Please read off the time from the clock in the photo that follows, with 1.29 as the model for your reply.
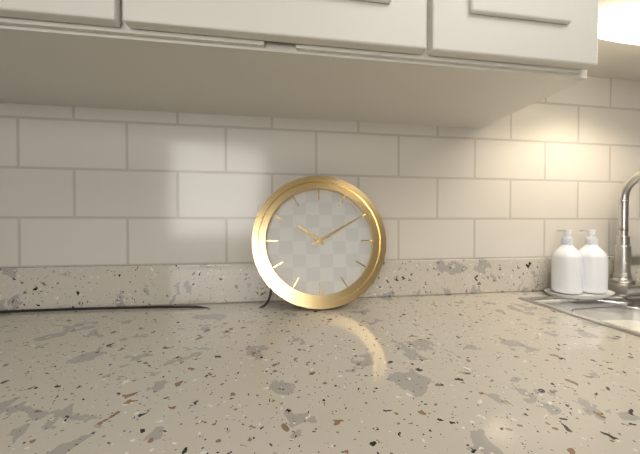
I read 10.10
